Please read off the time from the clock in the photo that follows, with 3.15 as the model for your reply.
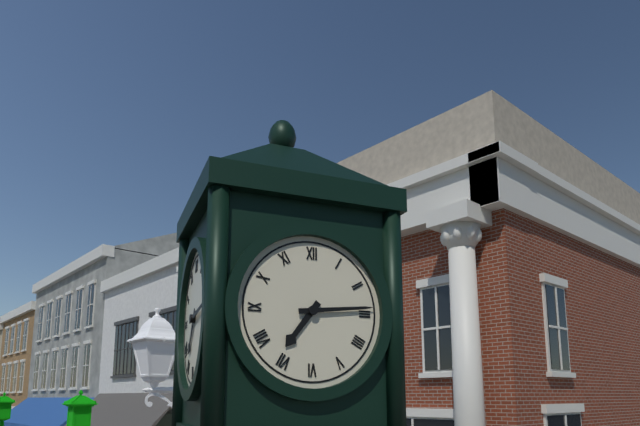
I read 7.14
